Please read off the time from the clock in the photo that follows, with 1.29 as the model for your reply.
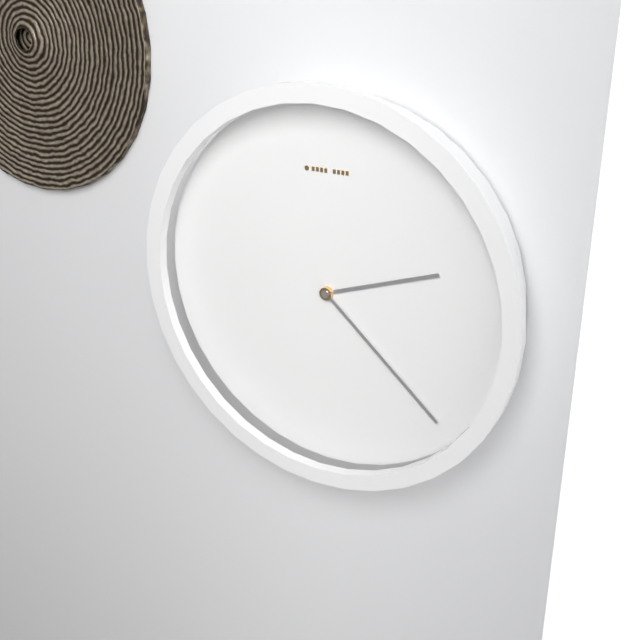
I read 2.22
